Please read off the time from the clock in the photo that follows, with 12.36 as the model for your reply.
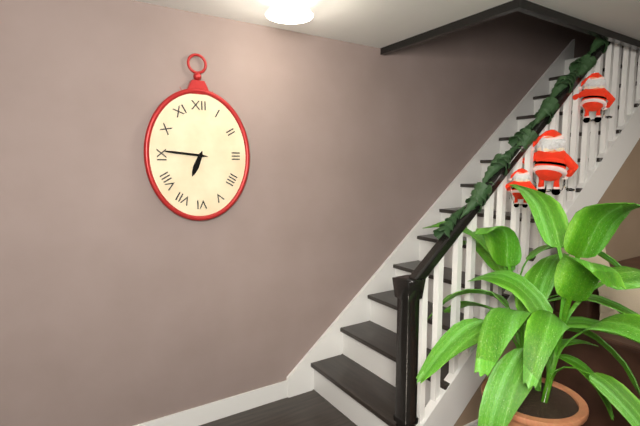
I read 6.46
